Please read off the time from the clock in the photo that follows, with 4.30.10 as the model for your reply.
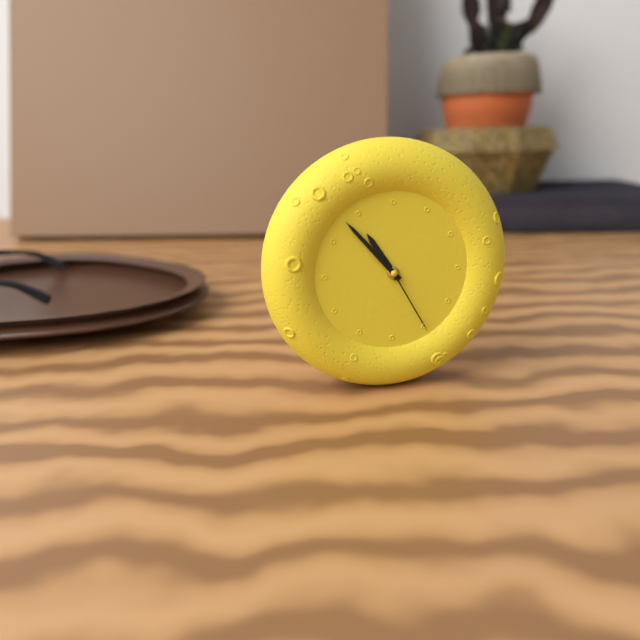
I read 10.53.25
